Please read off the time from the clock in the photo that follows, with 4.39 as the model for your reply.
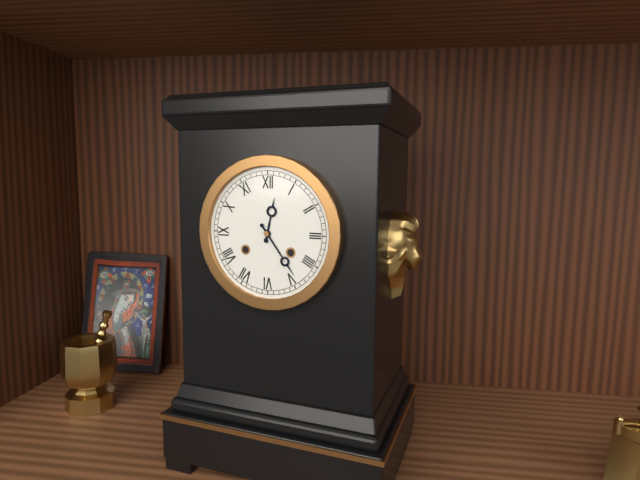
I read 12.24
